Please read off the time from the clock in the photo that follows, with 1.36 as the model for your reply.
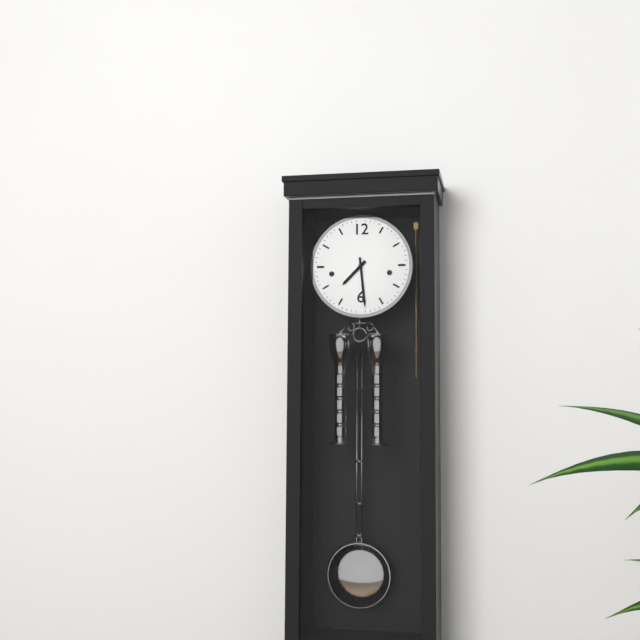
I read 7.29
